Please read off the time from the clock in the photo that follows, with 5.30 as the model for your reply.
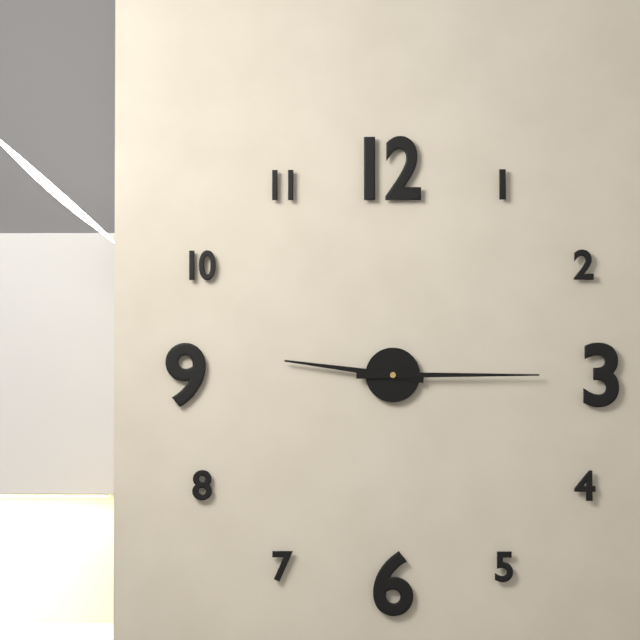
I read 9.15
